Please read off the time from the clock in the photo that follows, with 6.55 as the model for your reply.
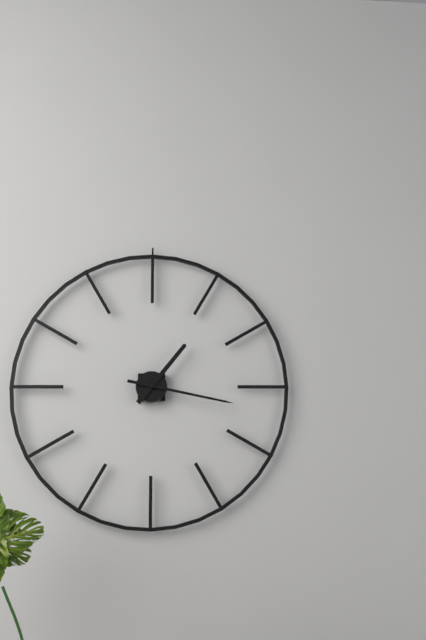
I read 1.17
